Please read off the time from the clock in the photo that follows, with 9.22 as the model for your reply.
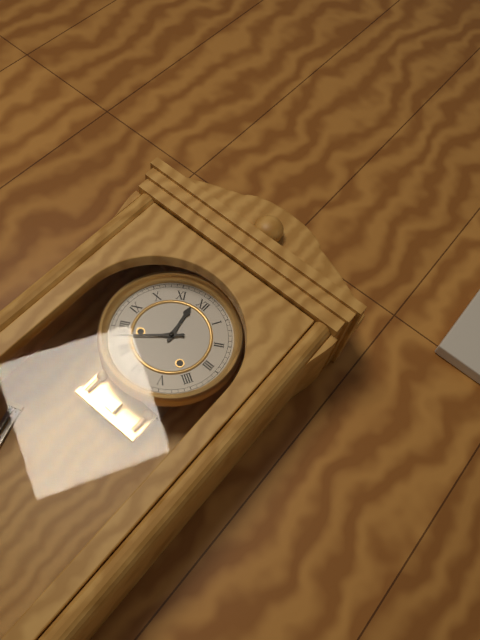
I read 11.38
